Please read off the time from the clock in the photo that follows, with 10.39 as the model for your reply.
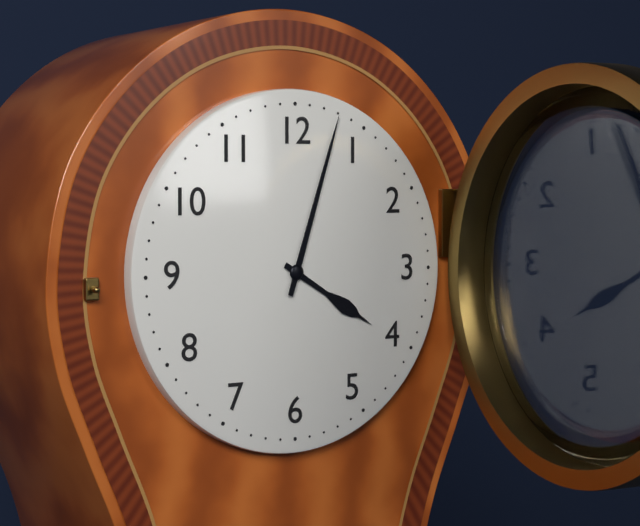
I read 4.03
